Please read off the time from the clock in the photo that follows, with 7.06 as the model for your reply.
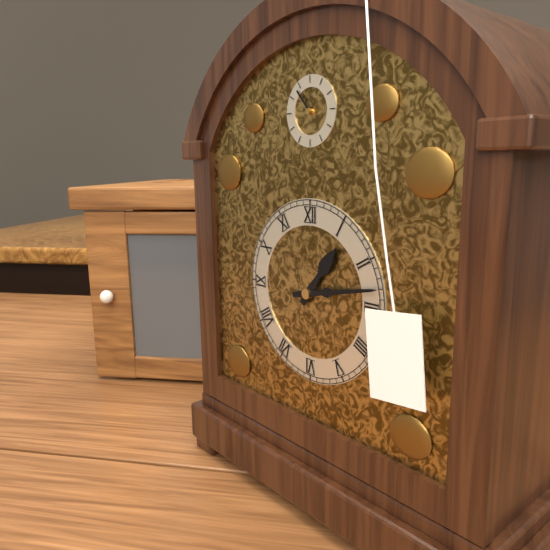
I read 1.13
